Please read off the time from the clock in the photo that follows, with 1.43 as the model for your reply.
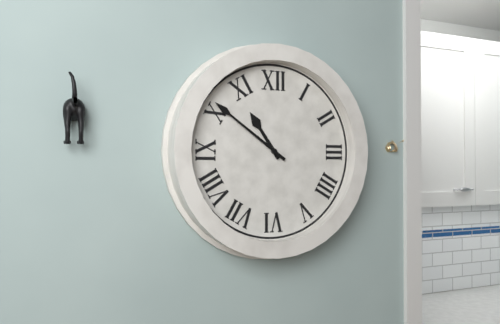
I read 10.51
